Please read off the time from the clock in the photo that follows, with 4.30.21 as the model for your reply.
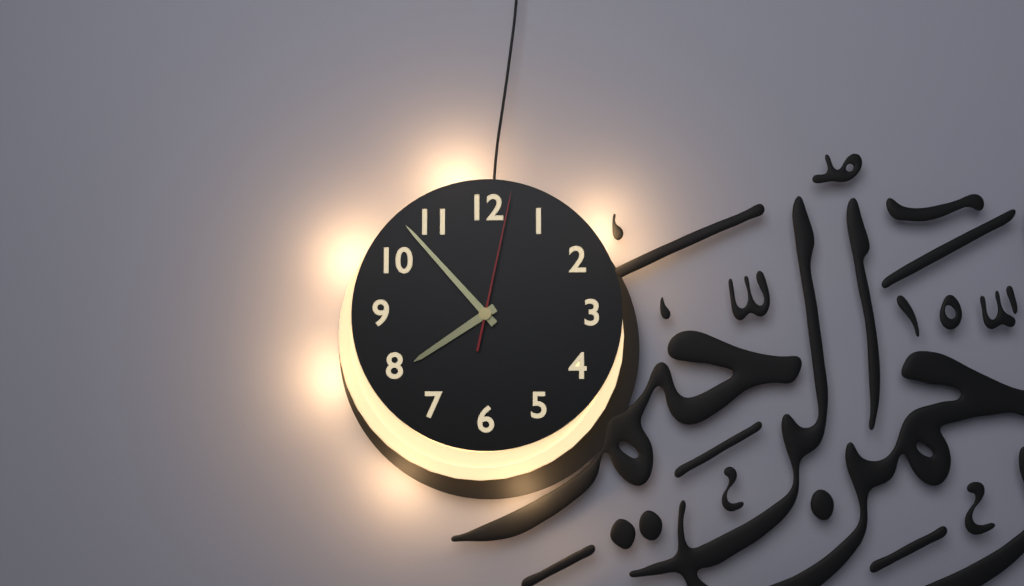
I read 7.53.02
